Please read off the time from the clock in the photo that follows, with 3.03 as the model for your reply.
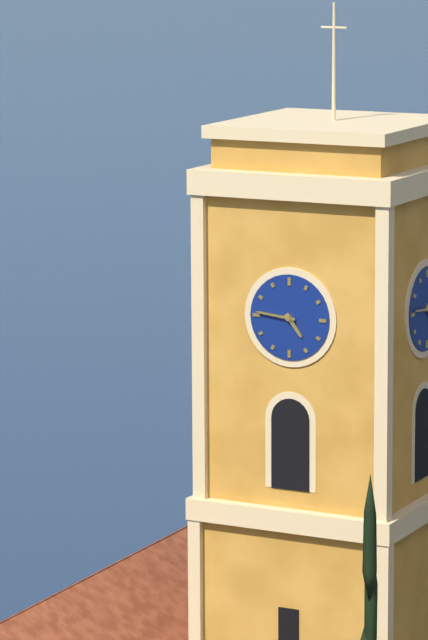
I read 4.46
